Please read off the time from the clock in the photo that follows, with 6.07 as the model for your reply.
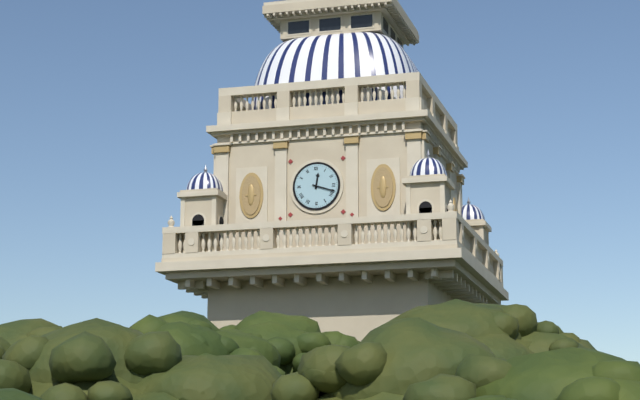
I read 12.18
